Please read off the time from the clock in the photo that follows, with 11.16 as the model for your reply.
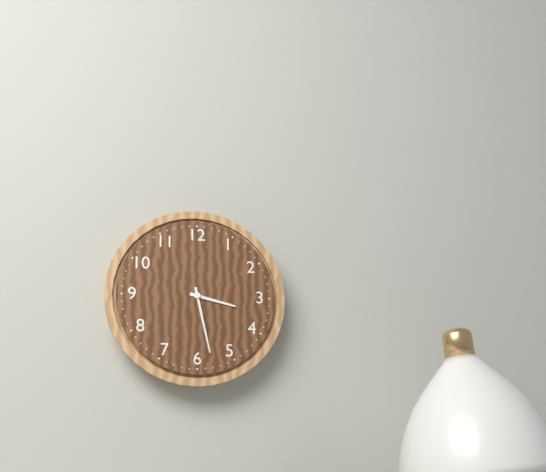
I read 3.28
